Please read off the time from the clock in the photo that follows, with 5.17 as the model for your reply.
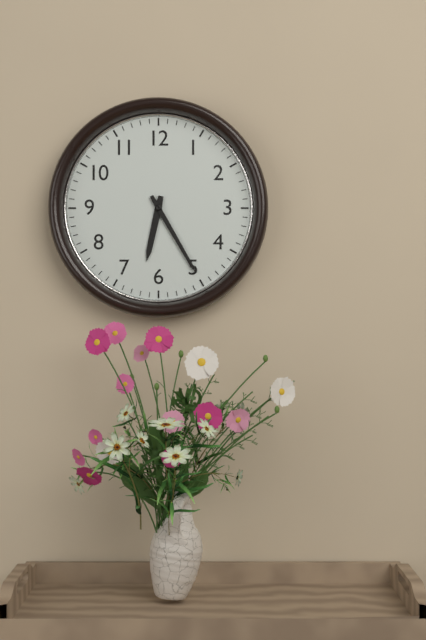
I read 6.25
